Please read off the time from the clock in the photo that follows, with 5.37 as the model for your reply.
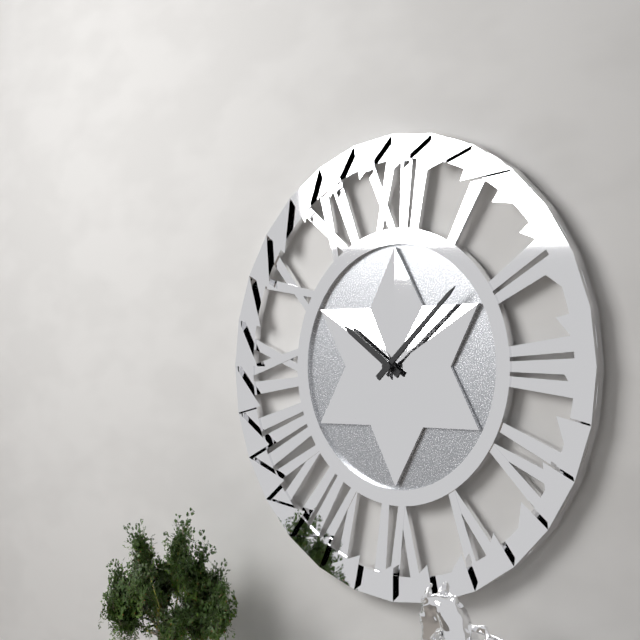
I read 10.08
